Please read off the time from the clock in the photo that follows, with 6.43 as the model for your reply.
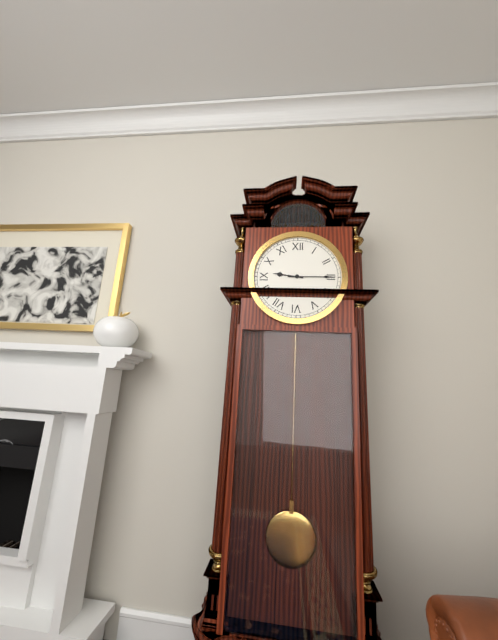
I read 9.15
